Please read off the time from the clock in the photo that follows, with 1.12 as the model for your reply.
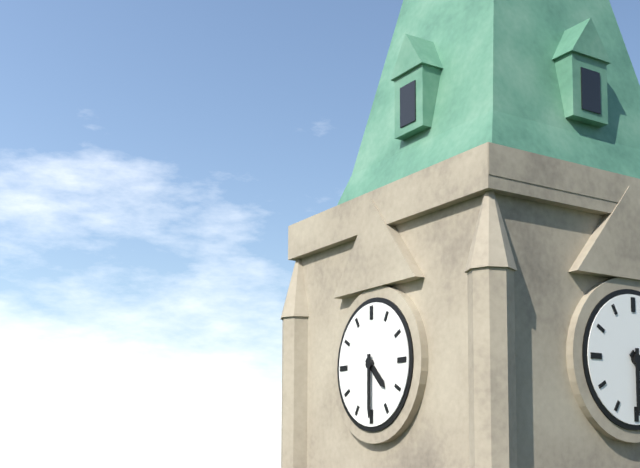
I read 4.30
